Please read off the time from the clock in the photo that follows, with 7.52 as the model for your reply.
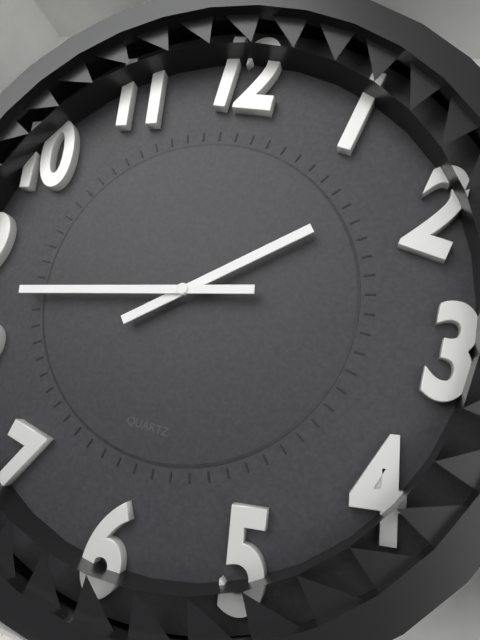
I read 1.43
